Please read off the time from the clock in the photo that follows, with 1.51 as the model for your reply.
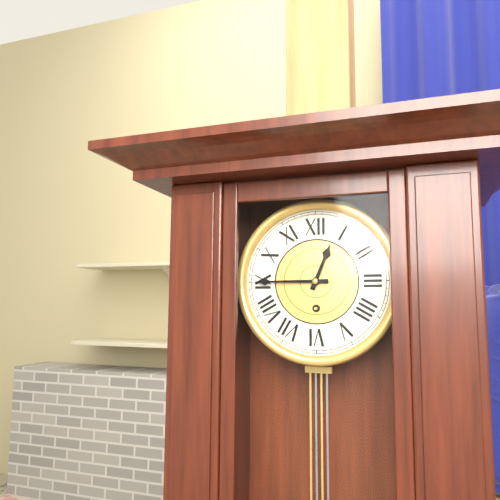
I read 12.45
